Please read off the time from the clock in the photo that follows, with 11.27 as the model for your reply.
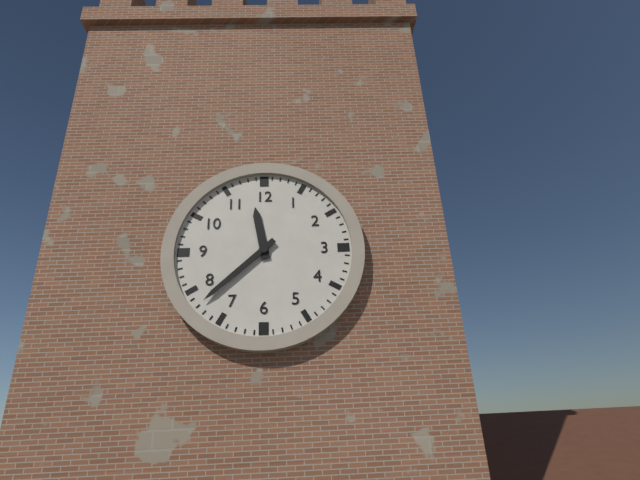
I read 11.38
